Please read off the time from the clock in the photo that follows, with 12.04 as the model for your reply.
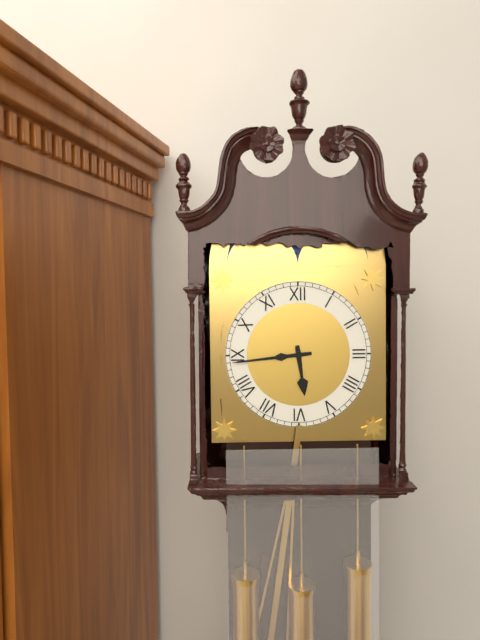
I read 5.44
